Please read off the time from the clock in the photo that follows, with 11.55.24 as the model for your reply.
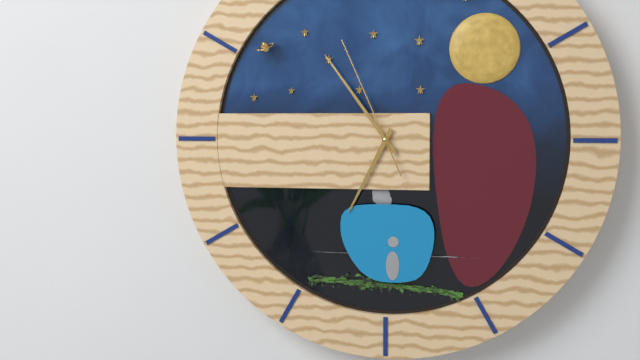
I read 6.54.56
